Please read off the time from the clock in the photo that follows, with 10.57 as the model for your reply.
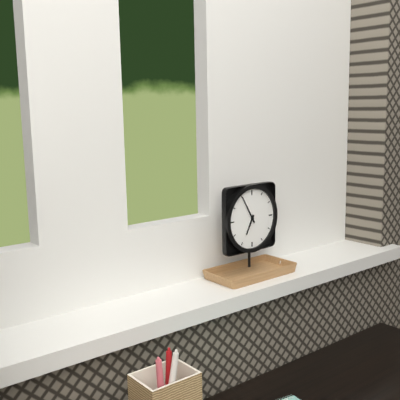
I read 6.55
